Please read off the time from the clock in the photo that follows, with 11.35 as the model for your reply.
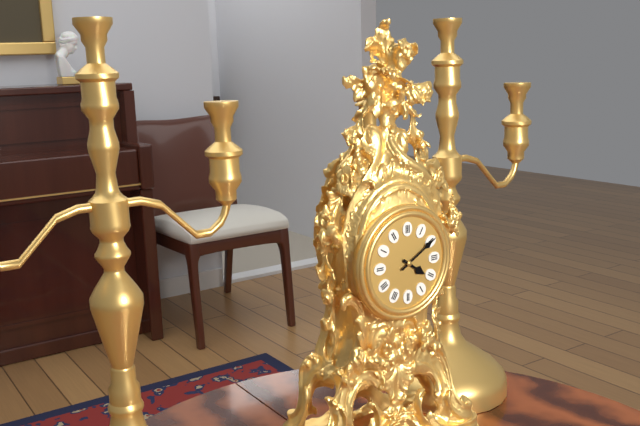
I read 4.10
